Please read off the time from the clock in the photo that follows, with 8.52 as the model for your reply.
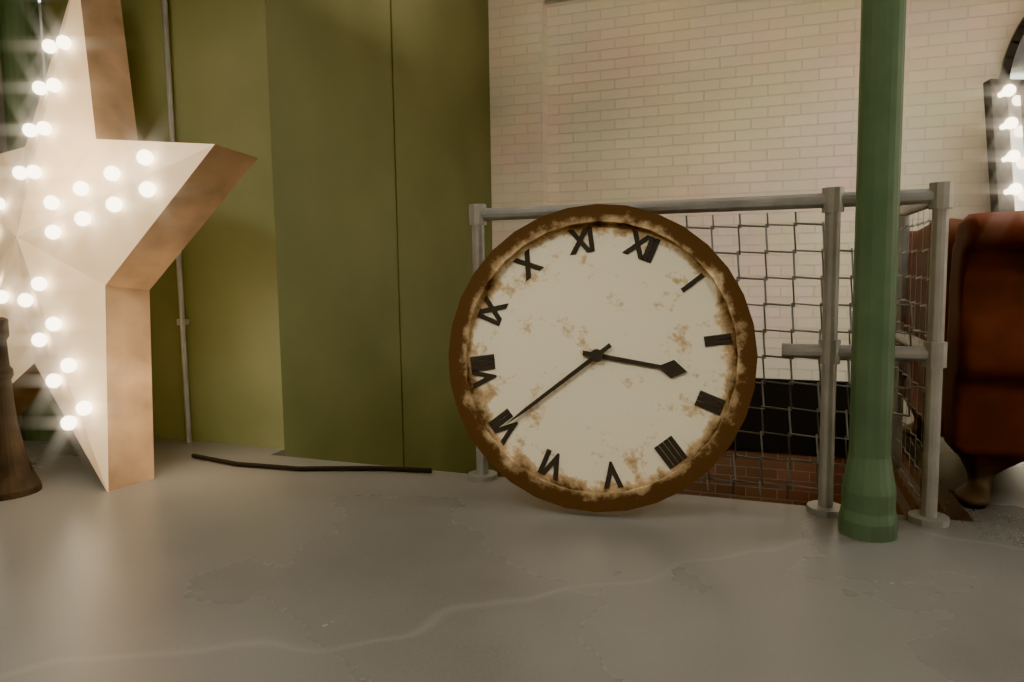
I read 2.35
